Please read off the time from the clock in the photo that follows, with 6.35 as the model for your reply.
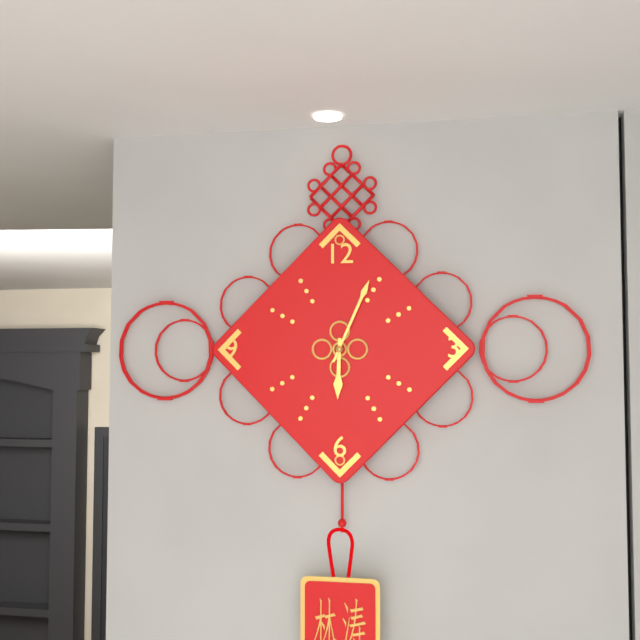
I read 6.04
